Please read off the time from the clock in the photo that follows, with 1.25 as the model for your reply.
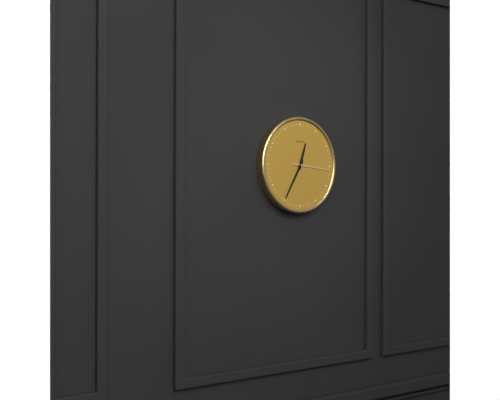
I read 12.35
